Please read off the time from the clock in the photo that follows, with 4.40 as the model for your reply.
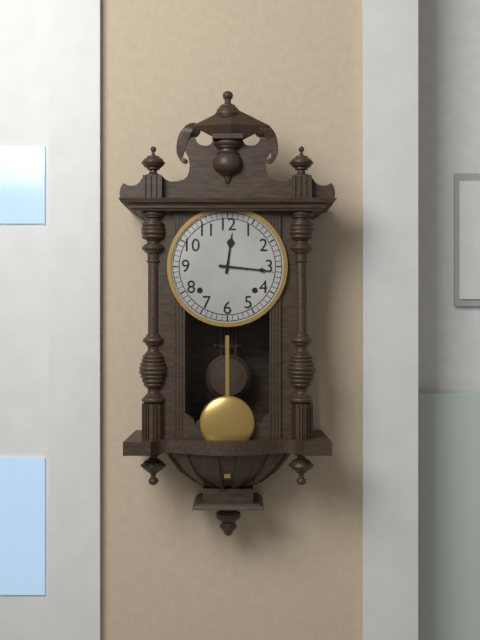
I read 12.16
